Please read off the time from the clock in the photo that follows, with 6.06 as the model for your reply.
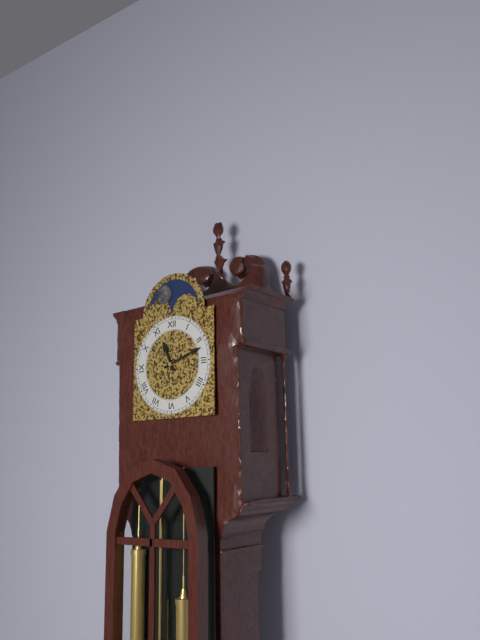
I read 11.12
